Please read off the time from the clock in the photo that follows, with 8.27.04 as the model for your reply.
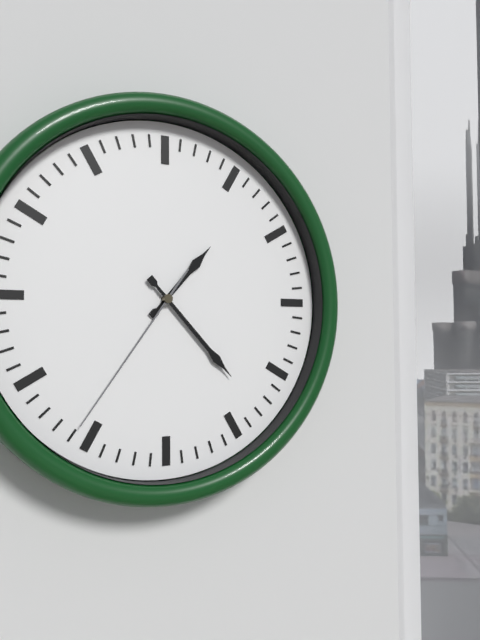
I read 1.23.36
